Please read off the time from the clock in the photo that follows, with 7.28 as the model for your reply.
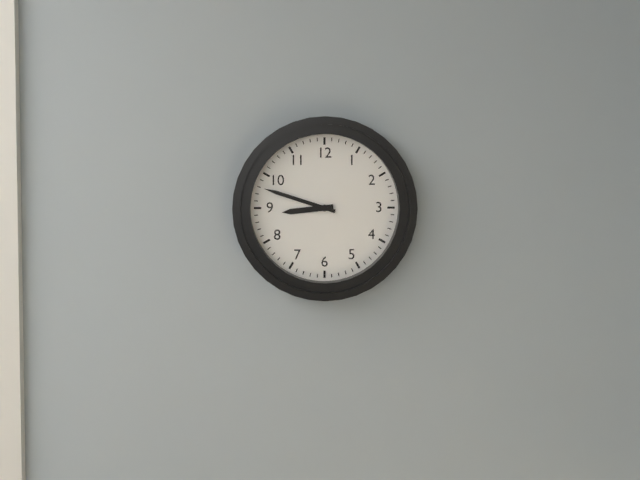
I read 8.48
